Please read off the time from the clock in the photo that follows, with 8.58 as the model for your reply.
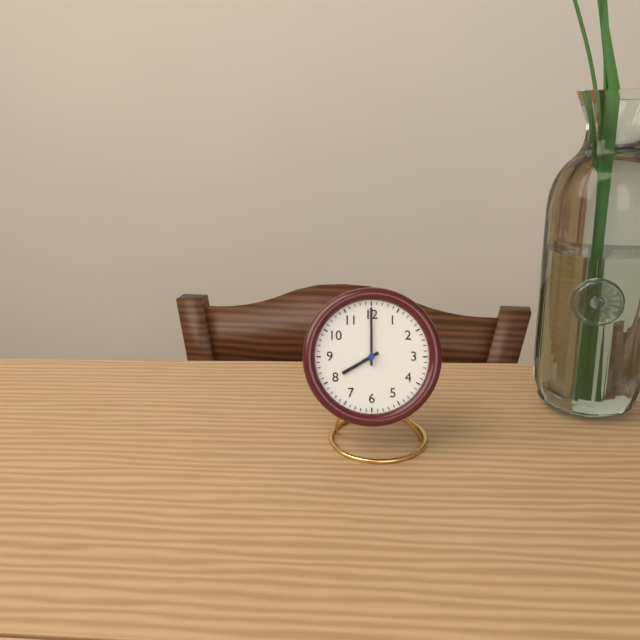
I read 8.00
